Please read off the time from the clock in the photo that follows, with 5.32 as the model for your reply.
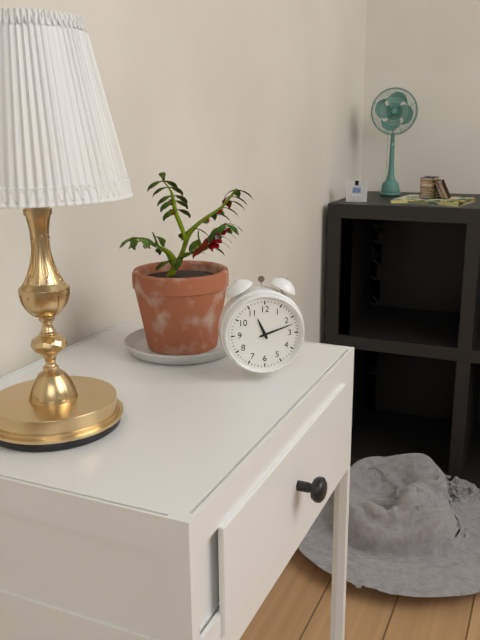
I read 11.12
